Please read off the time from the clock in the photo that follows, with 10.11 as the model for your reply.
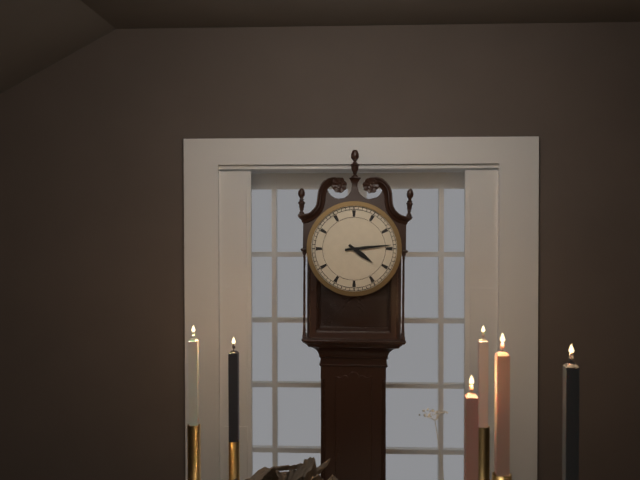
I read 4.14
